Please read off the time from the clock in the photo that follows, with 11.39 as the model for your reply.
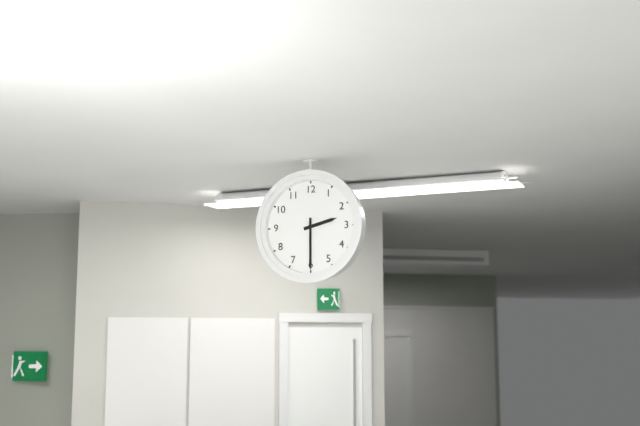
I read 2.30
